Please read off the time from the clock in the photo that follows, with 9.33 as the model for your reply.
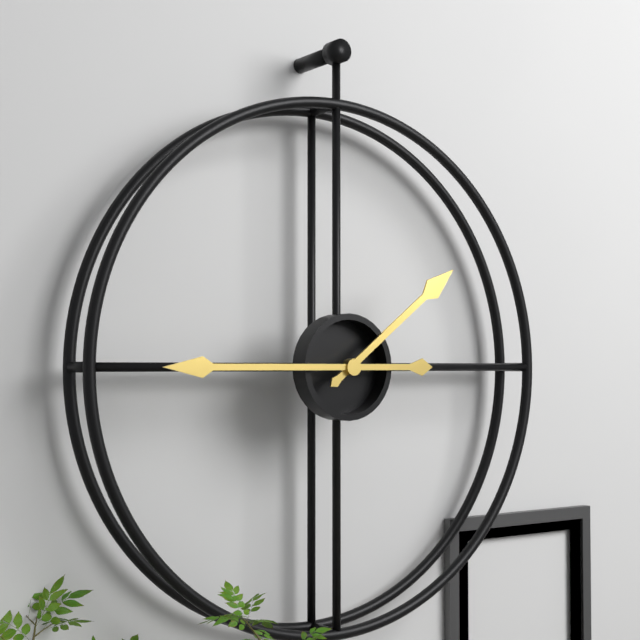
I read 1.45
